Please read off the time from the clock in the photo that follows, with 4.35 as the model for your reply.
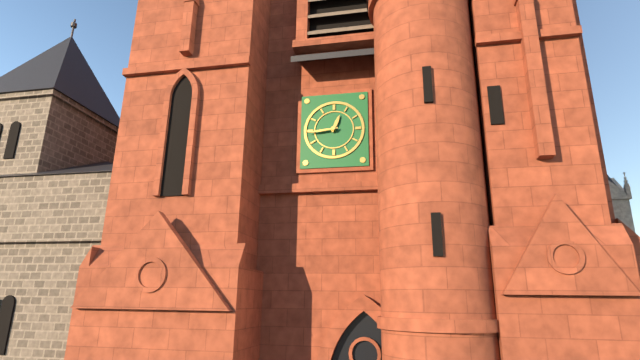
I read 12.44
